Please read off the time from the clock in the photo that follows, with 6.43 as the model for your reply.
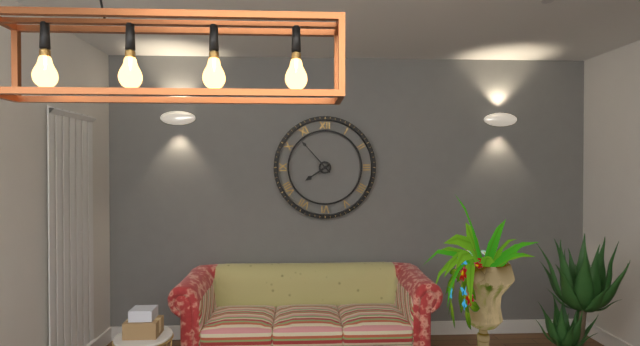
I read 7.53
